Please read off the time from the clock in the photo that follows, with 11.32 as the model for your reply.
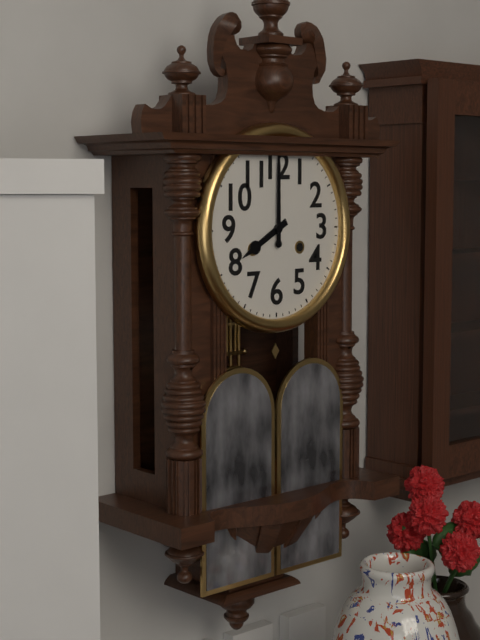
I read 8.00
